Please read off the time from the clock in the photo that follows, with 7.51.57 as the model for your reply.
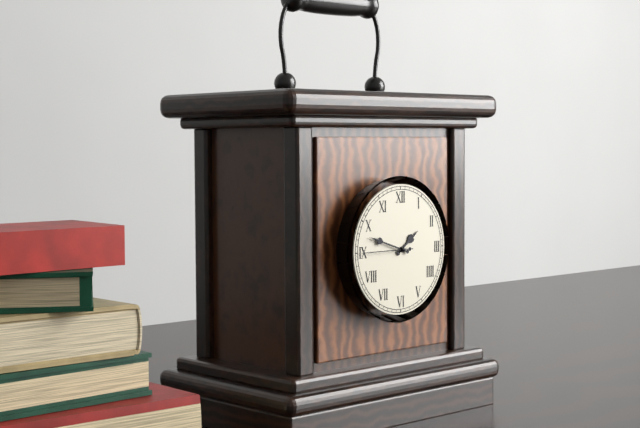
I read 1.48.45
